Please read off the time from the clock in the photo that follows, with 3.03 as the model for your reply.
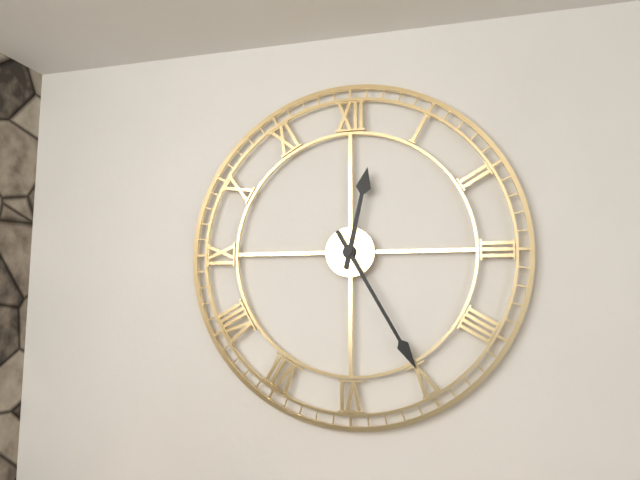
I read 12.25
